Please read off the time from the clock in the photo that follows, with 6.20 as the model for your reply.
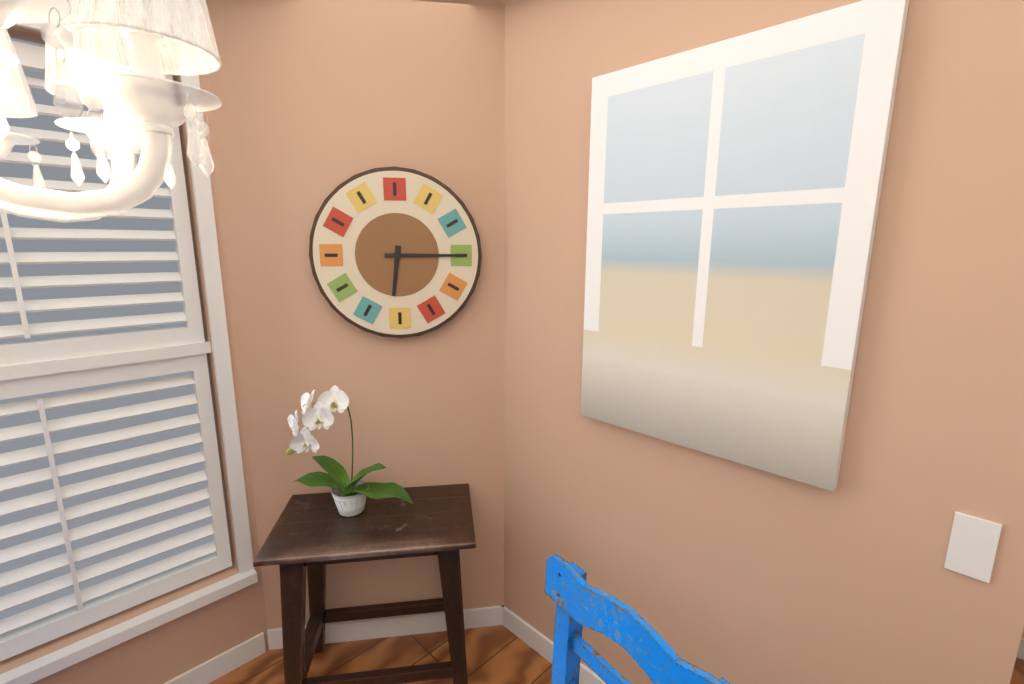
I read 6.15
